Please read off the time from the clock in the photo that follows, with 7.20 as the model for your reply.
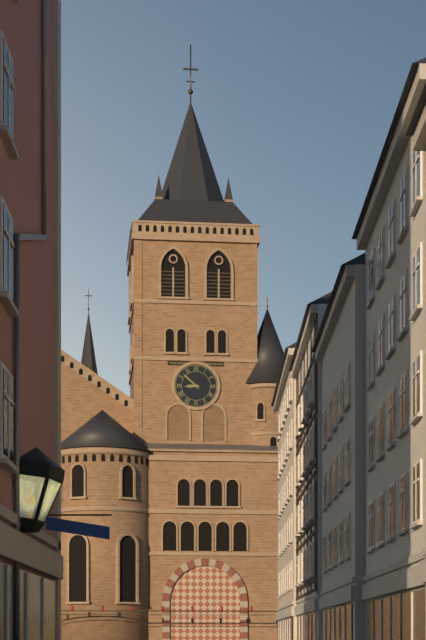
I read 8.52
